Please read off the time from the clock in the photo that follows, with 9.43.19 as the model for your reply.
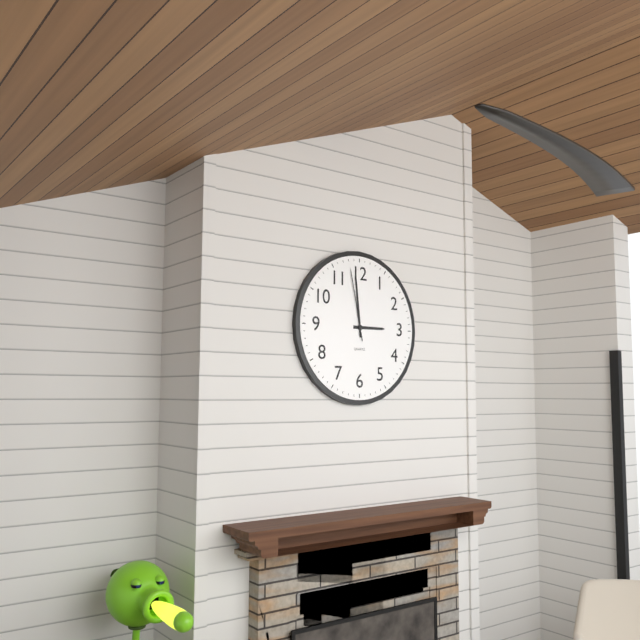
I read 2.59.58
